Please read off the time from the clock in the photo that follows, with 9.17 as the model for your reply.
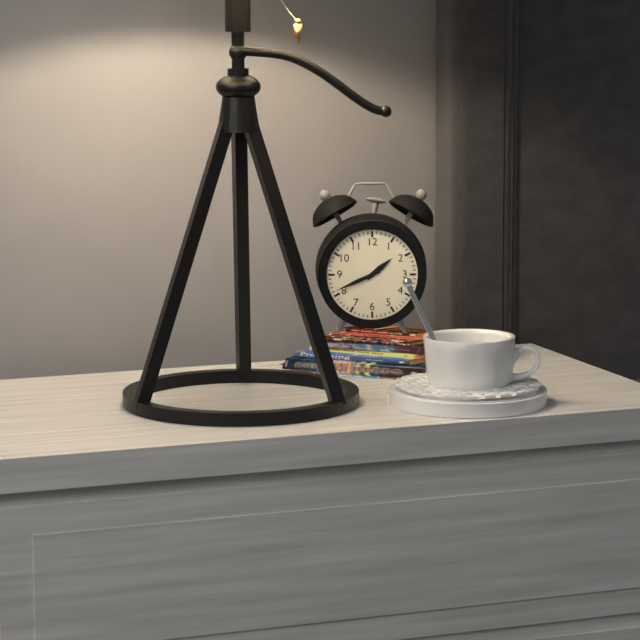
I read 1.41
